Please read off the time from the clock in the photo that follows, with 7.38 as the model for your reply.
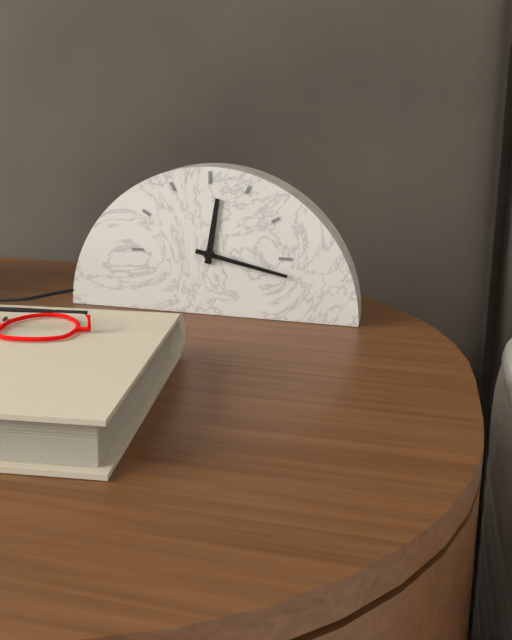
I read 12.17
